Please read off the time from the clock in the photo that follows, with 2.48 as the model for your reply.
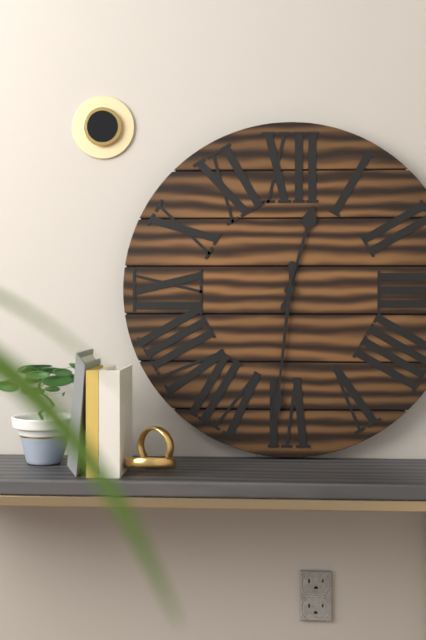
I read 12.31
